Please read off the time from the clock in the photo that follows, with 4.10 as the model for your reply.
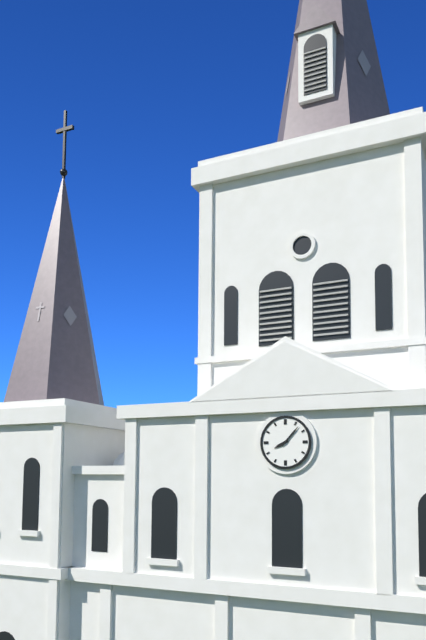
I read 8.07
